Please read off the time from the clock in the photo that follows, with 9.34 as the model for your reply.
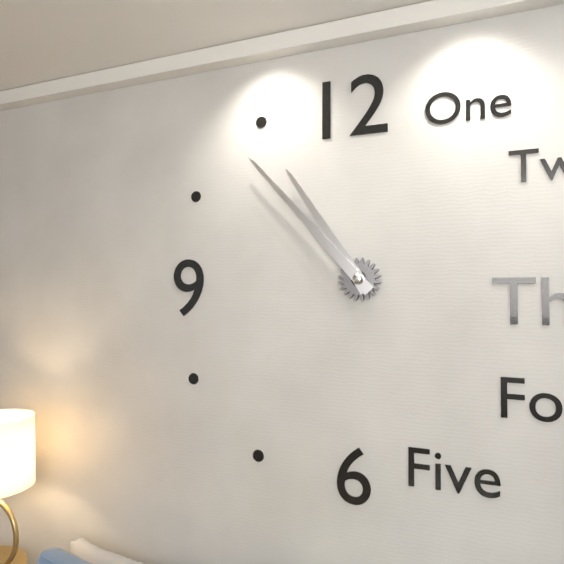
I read 10.53
